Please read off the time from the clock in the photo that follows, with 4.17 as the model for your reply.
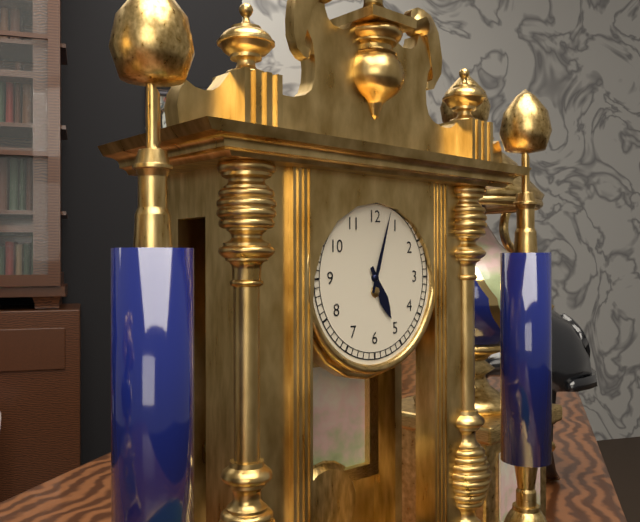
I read 5.03
